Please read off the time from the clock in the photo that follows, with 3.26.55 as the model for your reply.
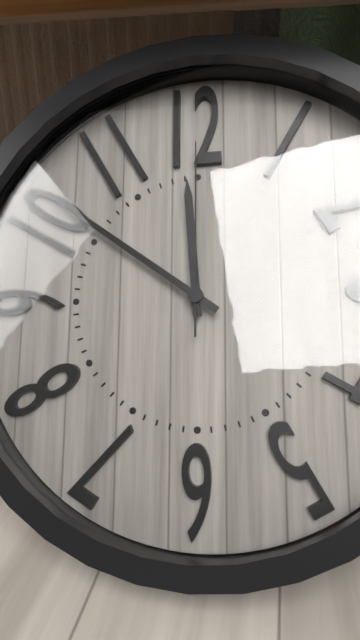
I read 11.51.00
